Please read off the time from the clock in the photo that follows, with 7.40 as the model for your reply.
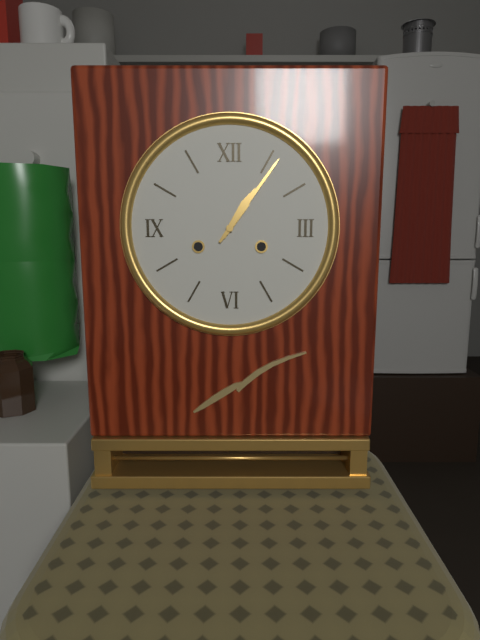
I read 1.06
